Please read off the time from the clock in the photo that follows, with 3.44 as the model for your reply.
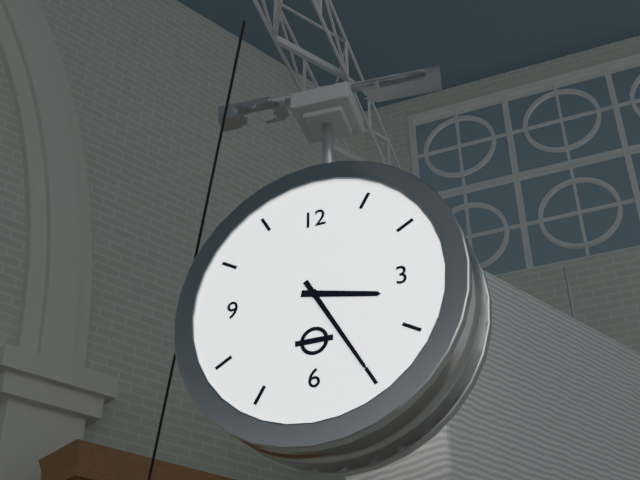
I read 3.25
